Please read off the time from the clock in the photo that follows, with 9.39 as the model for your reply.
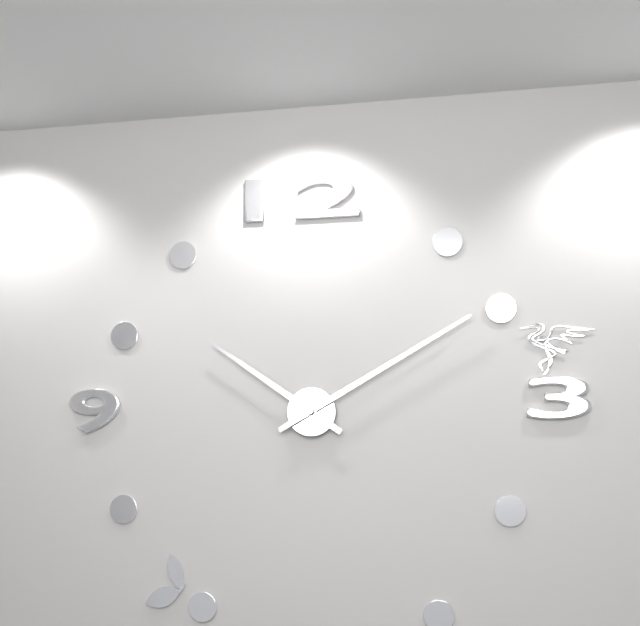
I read 10.10
